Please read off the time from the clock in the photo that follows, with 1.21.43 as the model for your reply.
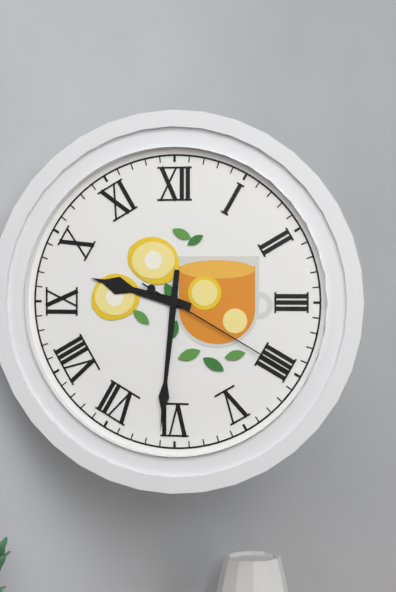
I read 9.31.20
